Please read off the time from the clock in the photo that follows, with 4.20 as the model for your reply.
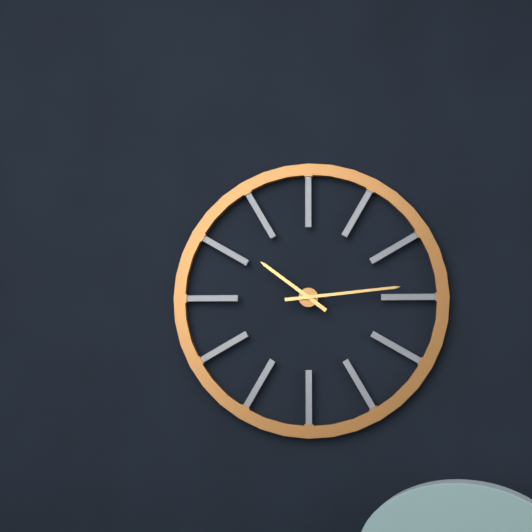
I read 10.14
